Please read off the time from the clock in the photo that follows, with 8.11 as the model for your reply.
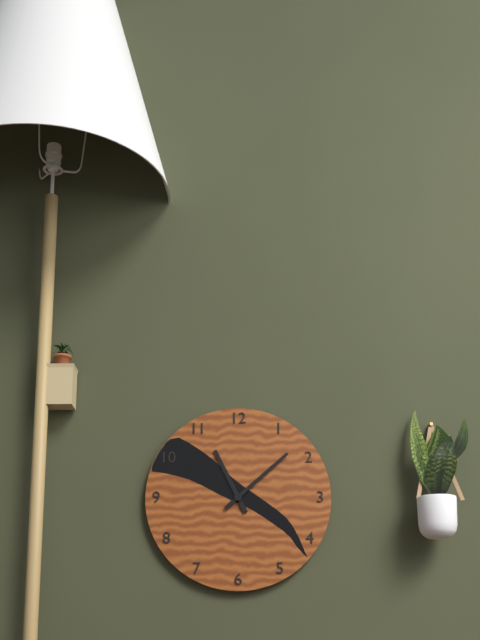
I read 11.08
